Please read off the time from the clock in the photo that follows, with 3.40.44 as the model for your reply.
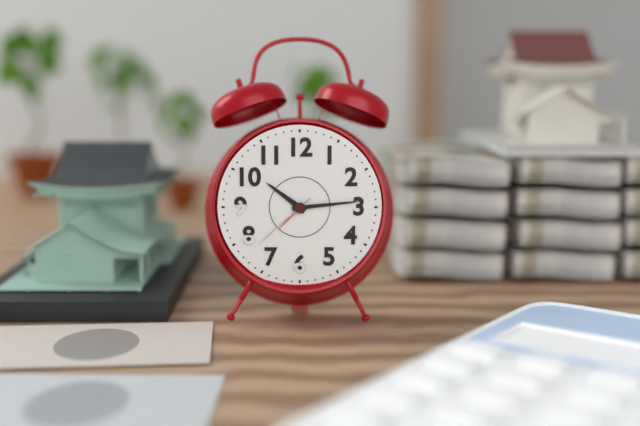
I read 10.14.38
